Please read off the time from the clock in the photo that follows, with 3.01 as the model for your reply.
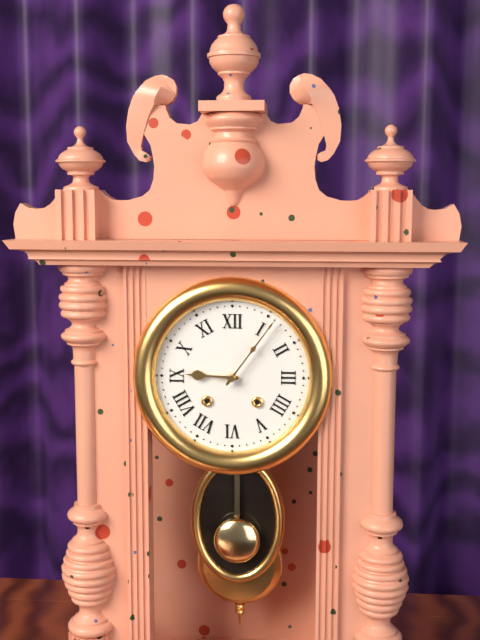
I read 9.06
